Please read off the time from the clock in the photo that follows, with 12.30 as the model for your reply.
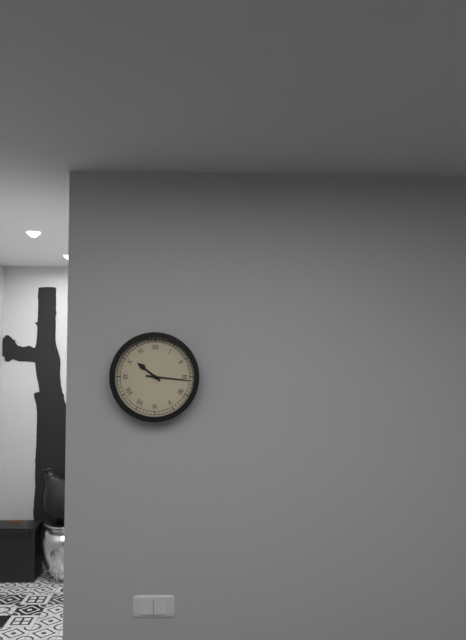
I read 10.16
